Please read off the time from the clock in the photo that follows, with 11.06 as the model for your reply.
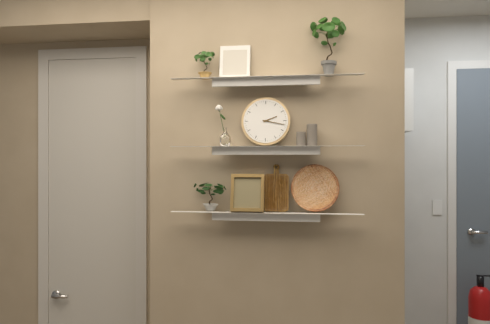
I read 2.17
